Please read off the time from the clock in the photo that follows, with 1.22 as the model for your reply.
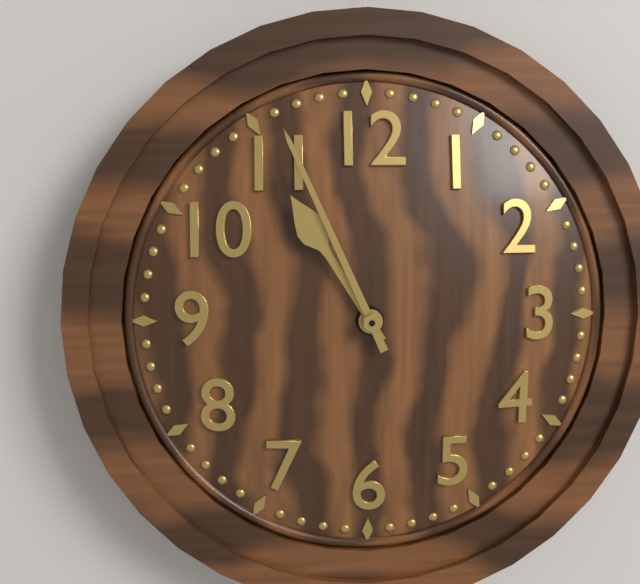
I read 10.56
